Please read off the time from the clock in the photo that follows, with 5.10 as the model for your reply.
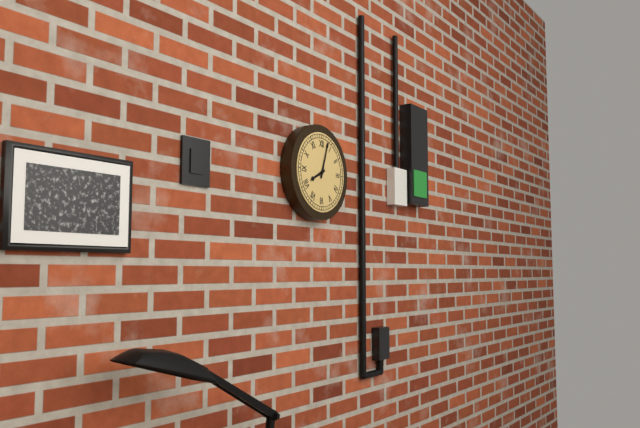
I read 8.03
